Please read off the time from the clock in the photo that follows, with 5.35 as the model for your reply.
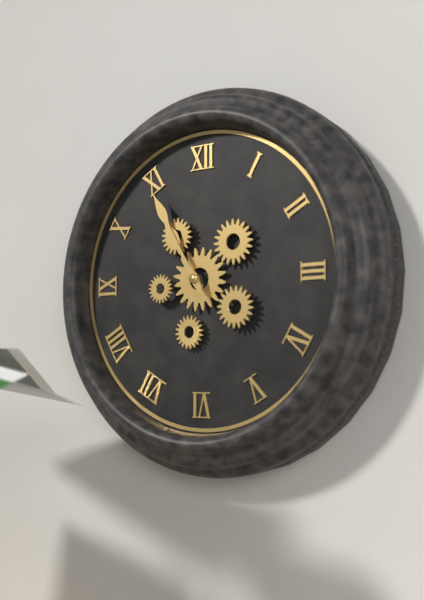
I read 10.55
